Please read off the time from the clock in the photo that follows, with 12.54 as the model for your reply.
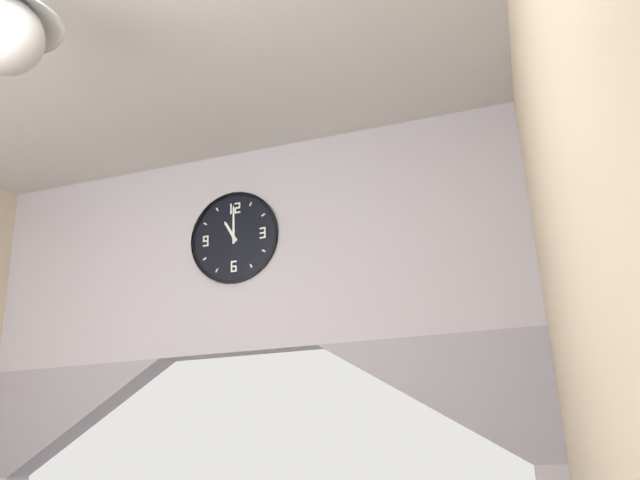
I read 11.00
